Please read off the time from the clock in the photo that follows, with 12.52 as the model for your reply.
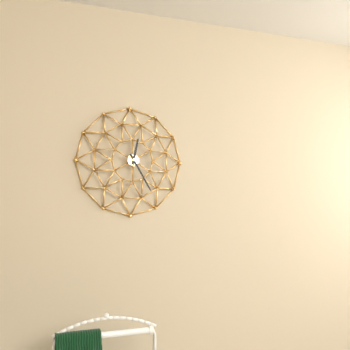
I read 12.25
